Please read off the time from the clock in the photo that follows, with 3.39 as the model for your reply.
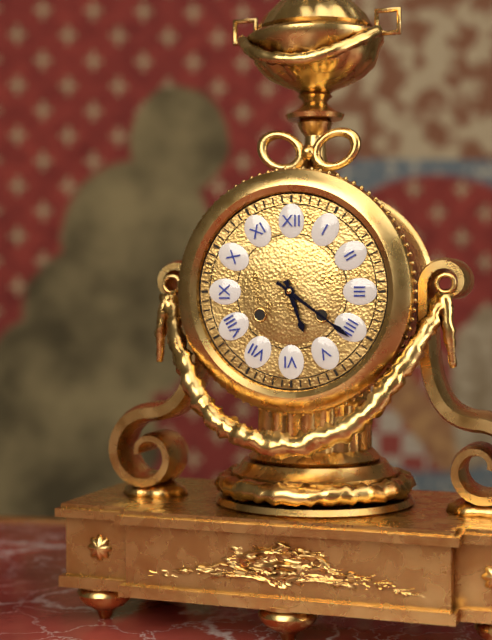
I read 5.21
